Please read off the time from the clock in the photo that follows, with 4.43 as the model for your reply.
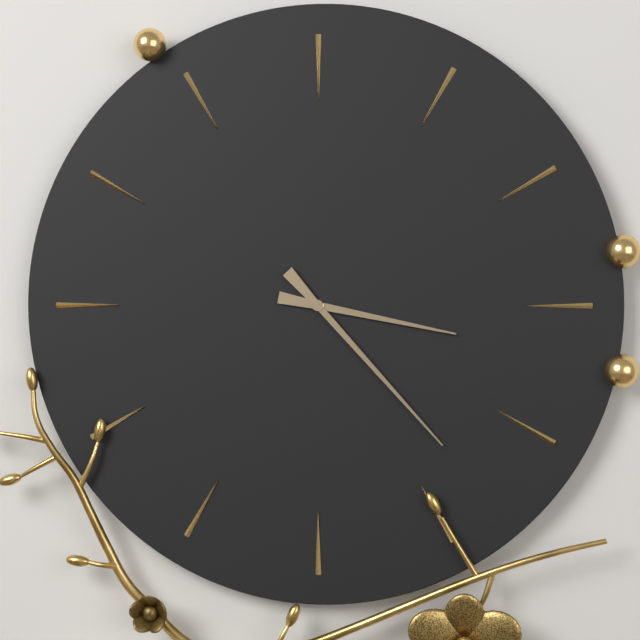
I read 3.23
